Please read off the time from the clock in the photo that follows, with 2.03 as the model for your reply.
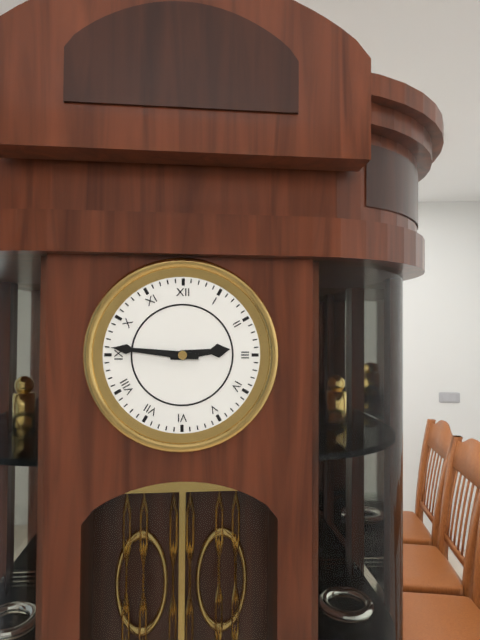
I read 2.46
